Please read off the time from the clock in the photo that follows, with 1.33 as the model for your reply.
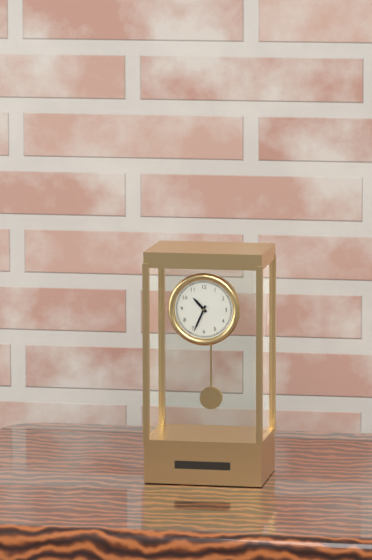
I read 10.34
